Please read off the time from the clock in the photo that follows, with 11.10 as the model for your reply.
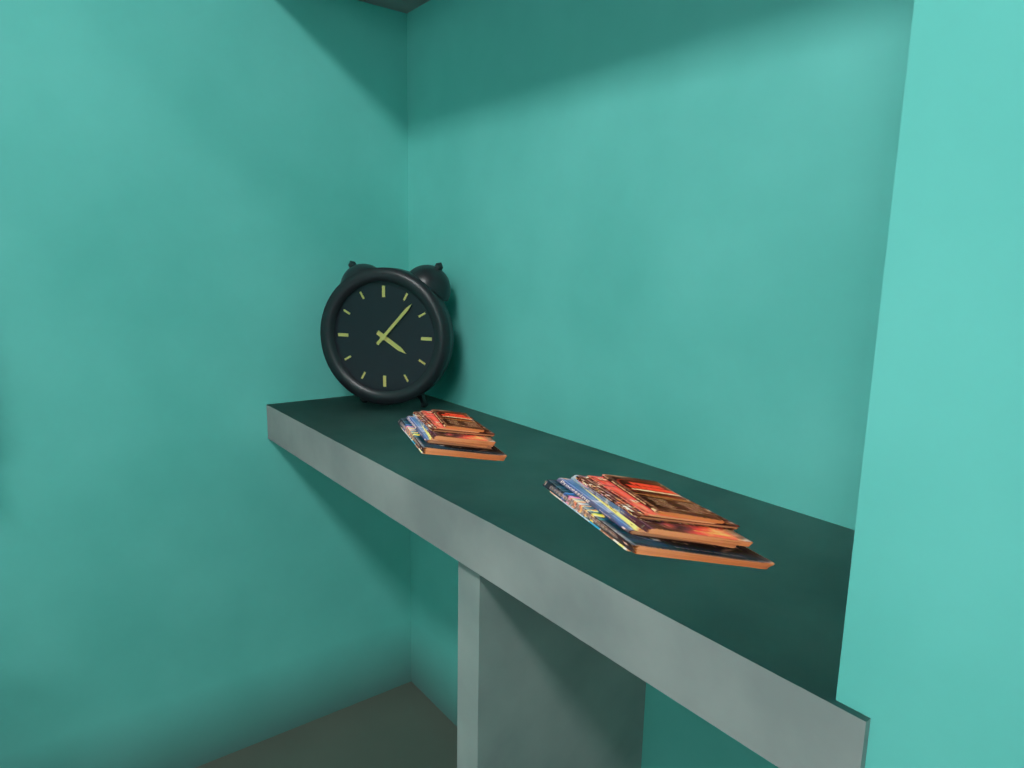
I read 4.07
